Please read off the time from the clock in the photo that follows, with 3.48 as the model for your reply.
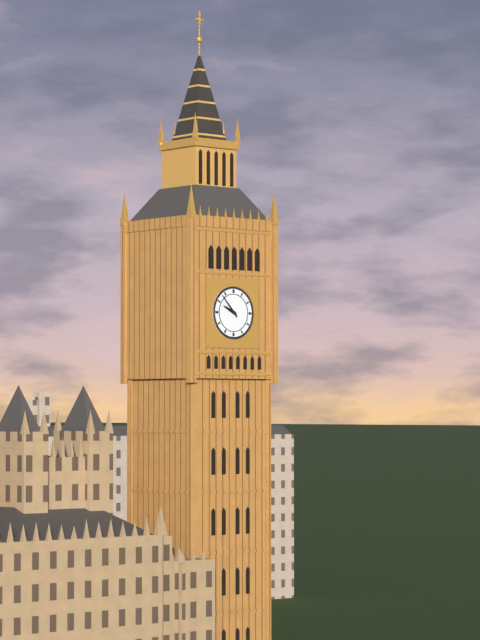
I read 9.53
